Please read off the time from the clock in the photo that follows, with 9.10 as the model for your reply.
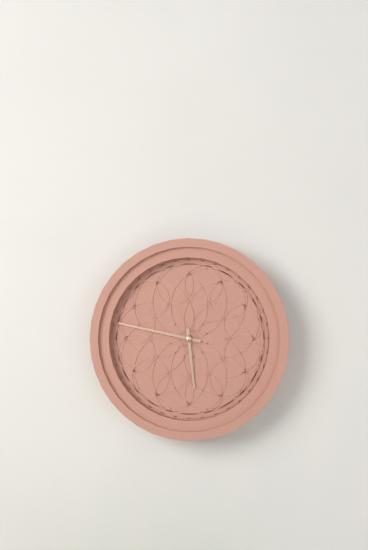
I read 5.47
